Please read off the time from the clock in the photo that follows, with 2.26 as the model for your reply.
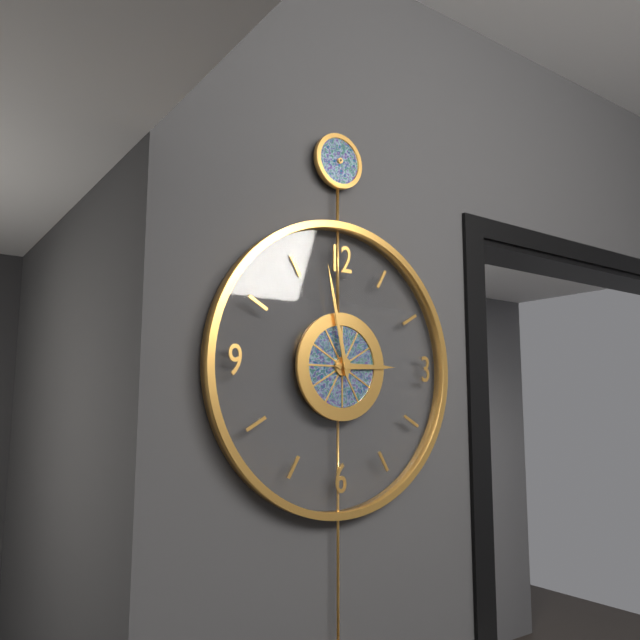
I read 2.58
